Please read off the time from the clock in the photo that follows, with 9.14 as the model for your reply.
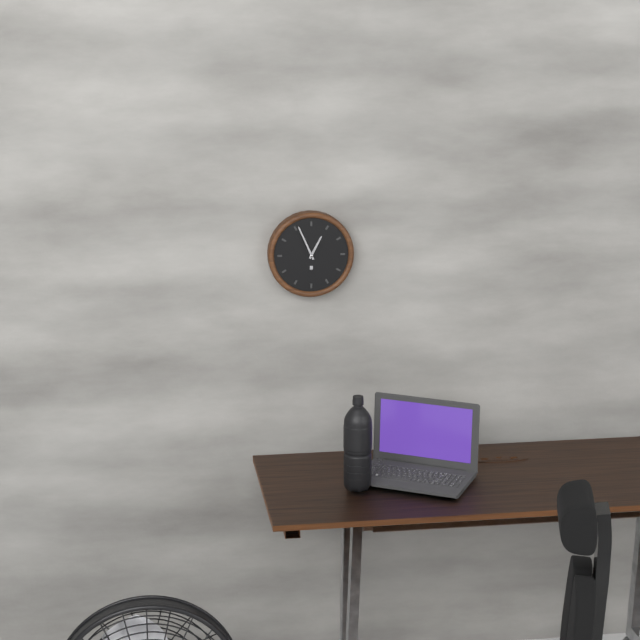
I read 12.56
